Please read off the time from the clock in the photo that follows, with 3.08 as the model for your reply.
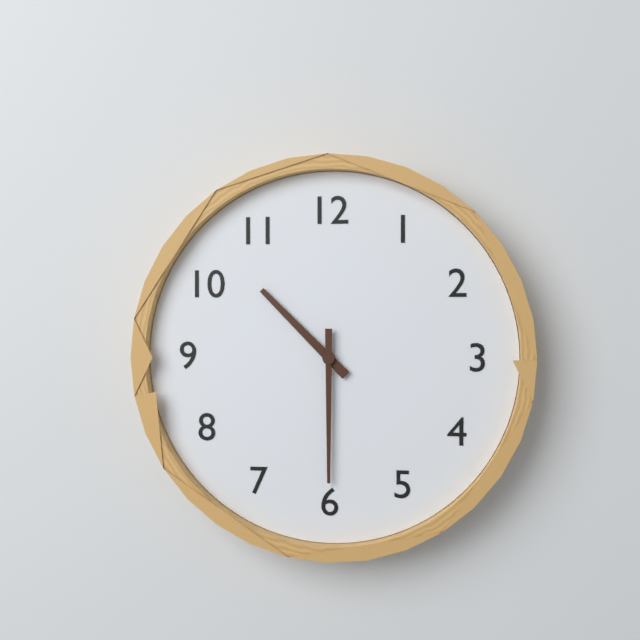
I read 10.30
